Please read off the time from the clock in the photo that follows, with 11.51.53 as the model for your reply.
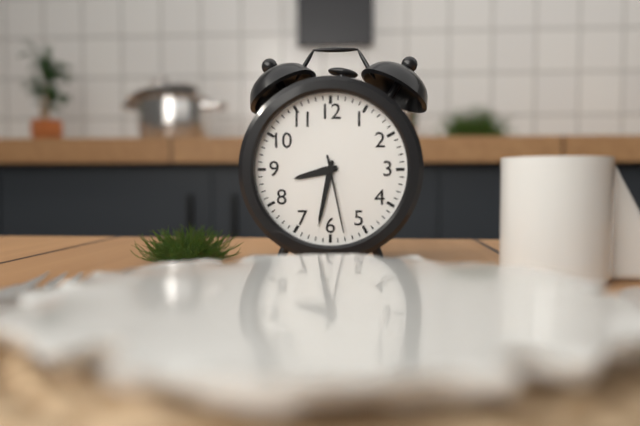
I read 8.32.28
